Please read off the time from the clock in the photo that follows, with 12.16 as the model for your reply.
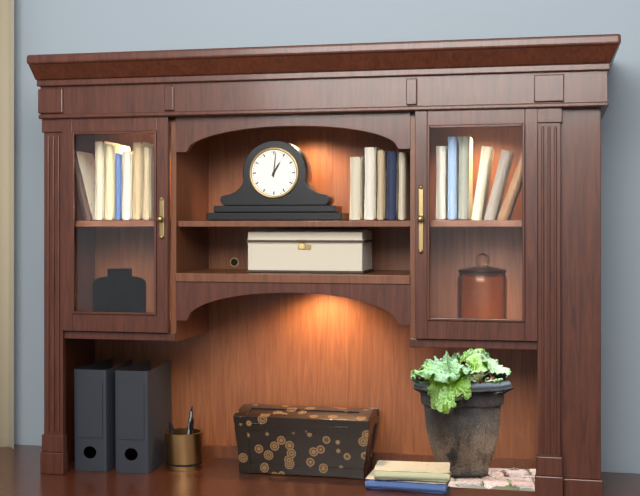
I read 1.01
